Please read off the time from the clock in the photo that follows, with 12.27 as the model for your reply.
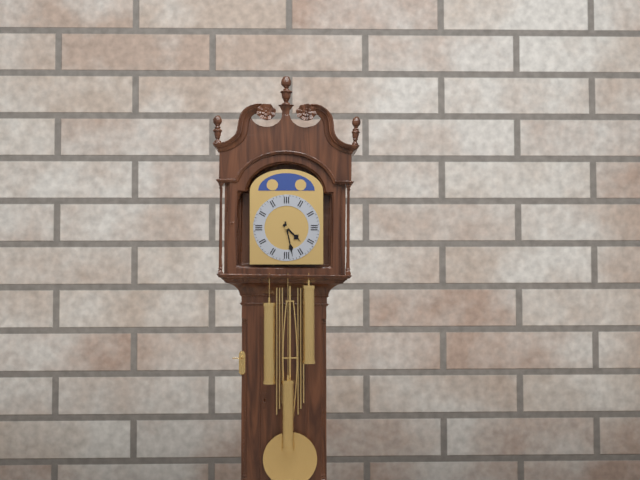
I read 4.28
